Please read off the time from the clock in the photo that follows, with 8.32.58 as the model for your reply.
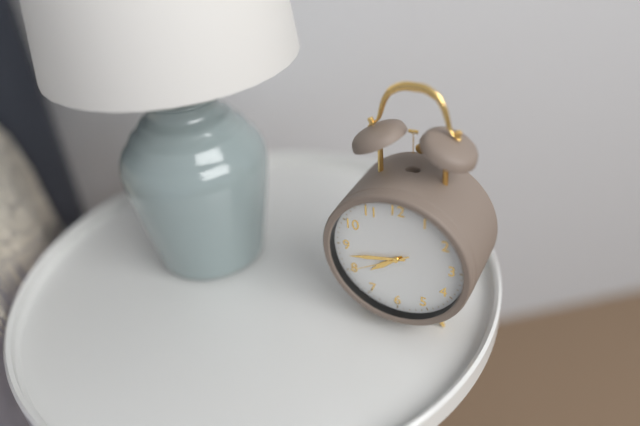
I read 7.43.40
